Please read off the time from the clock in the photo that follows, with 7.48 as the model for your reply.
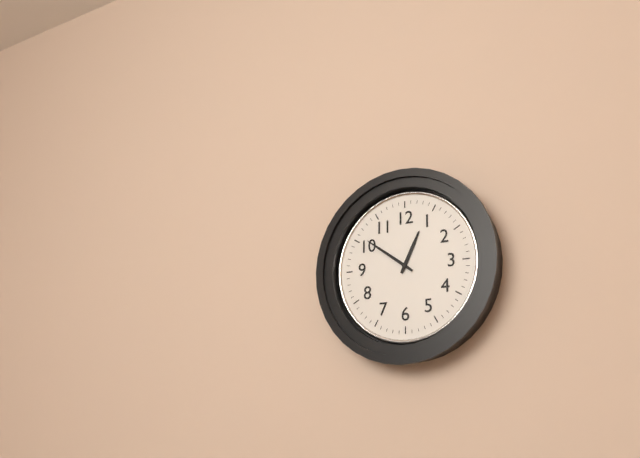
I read 12.51
